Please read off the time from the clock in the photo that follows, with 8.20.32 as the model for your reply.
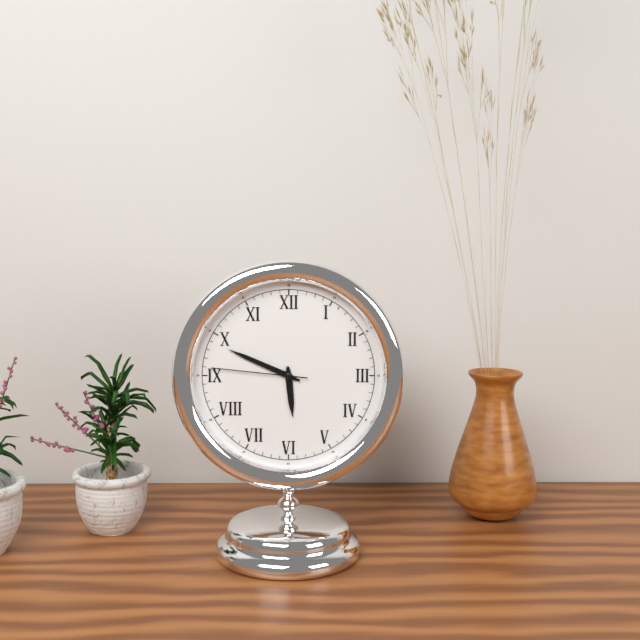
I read 5.49.46
